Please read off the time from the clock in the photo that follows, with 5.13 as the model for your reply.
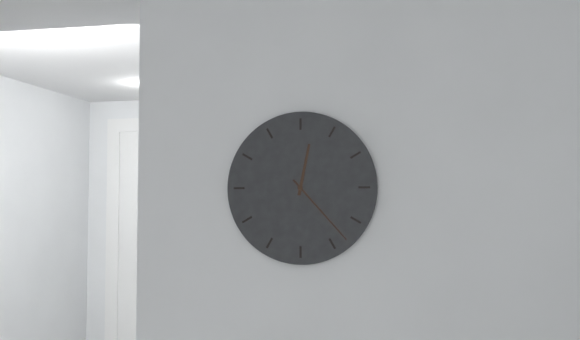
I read 12.23
